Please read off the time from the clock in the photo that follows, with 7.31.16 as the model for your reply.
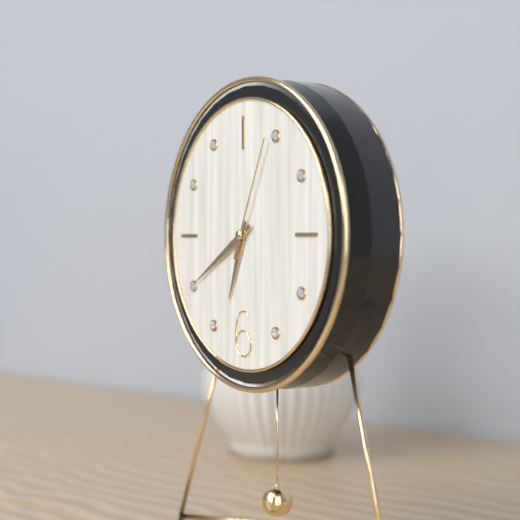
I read 6.40.04
